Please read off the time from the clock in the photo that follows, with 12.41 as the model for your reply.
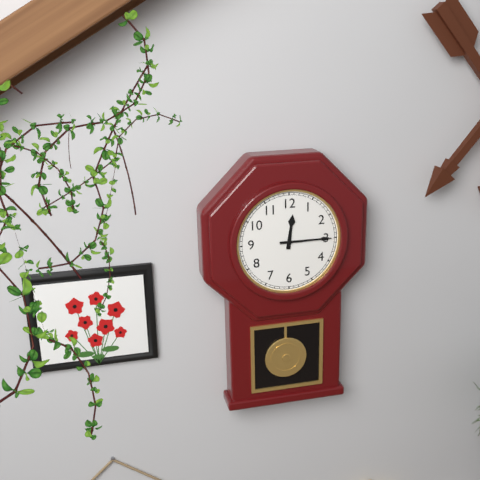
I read 12.15
